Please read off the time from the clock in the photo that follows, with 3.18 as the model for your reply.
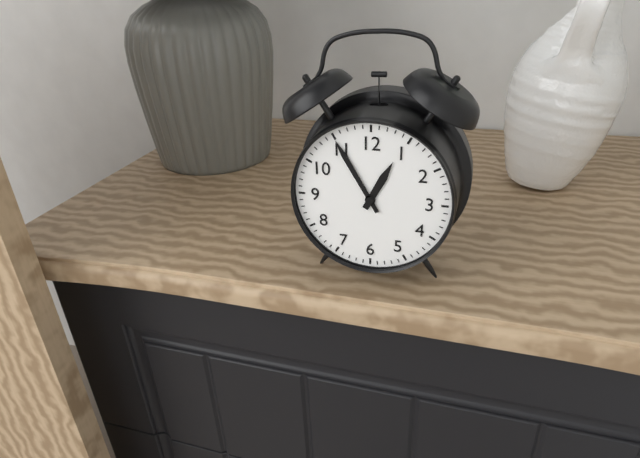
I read 12.55
